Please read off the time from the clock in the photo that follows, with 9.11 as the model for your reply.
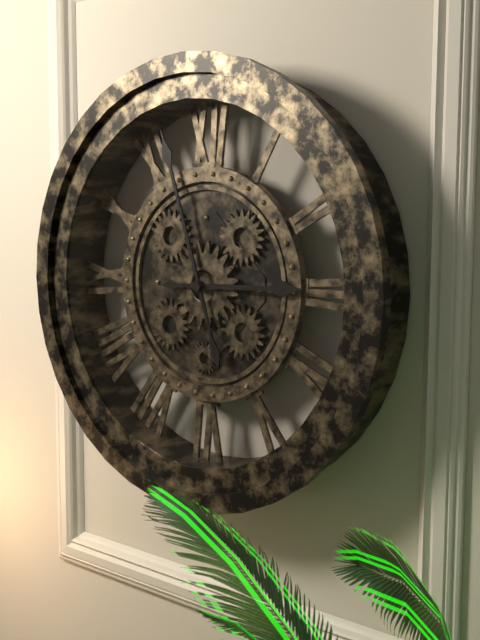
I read 2.57
